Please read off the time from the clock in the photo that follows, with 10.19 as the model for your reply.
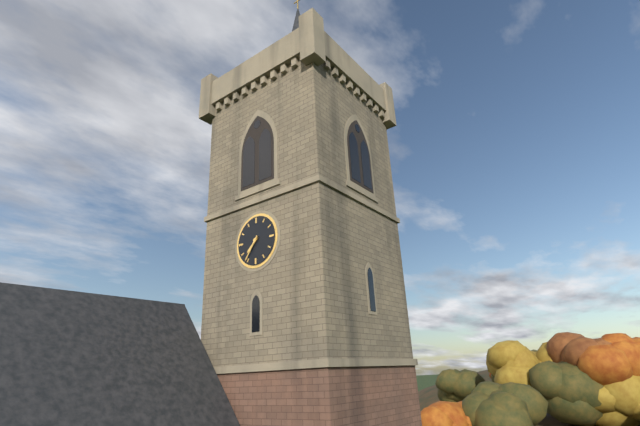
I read 7.36
